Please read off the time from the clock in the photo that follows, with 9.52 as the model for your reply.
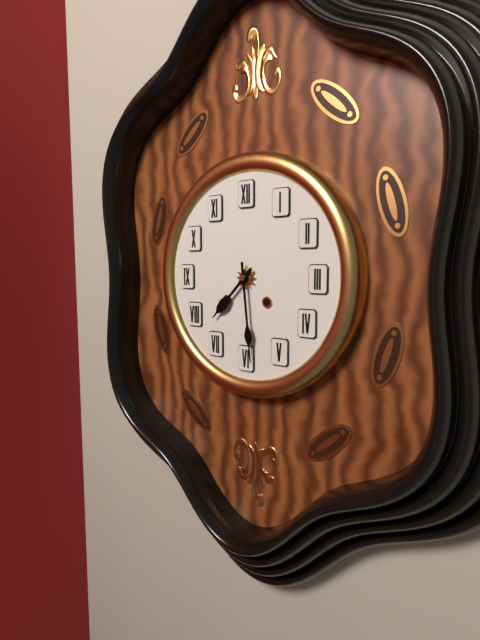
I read 7.29
